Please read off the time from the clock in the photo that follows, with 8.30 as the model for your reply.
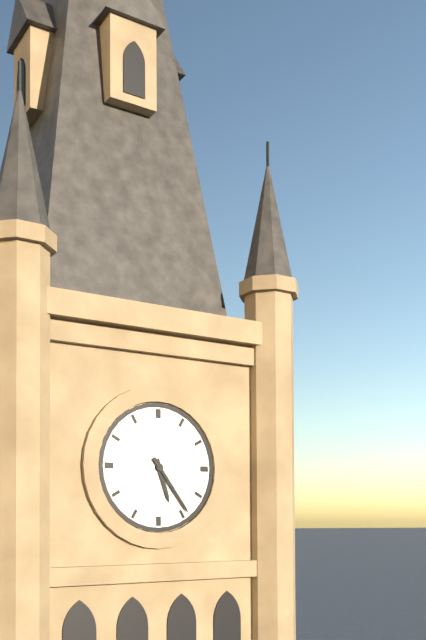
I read 5.24
